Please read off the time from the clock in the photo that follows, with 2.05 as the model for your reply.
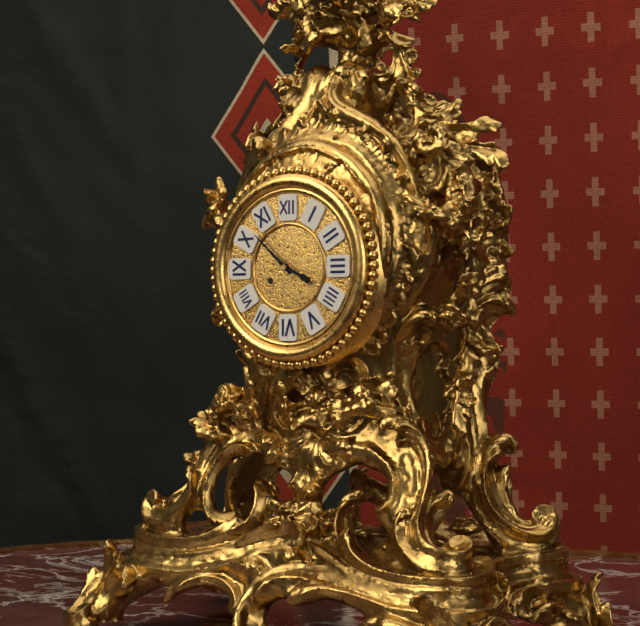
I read 3.52
